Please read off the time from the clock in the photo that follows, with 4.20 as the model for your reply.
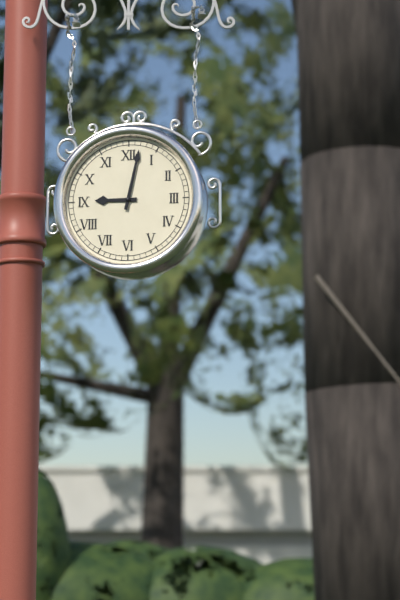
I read 9.02
